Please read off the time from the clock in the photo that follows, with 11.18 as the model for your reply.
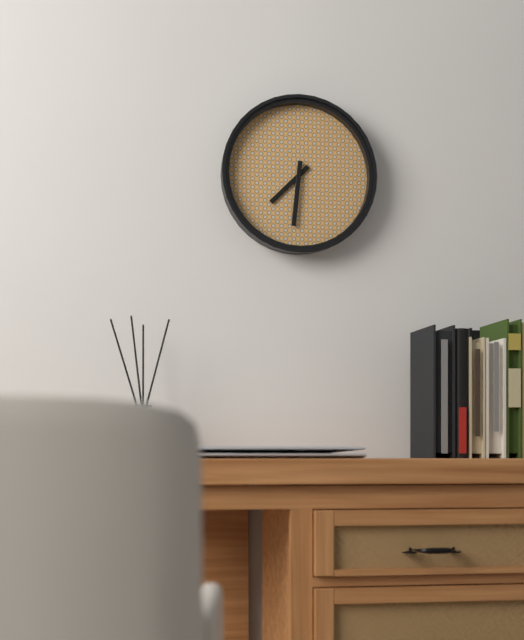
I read 7.31
